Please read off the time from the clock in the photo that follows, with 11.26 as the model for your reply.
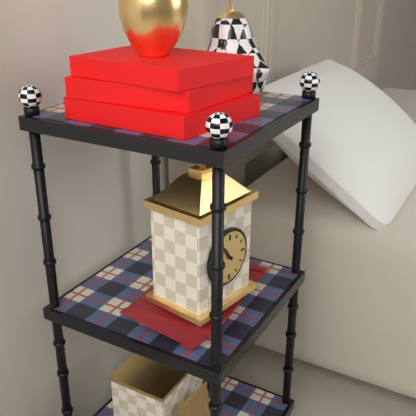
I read 10.54
